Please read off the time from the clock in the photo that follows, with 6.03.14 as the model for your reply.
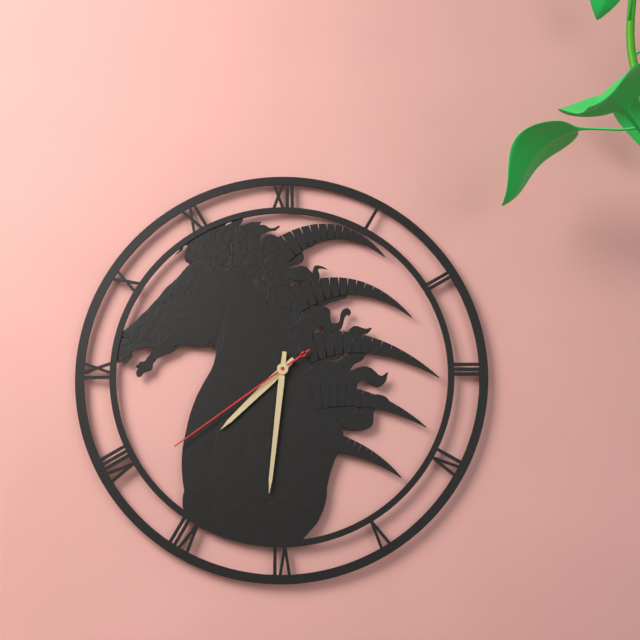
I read 7.31.39
